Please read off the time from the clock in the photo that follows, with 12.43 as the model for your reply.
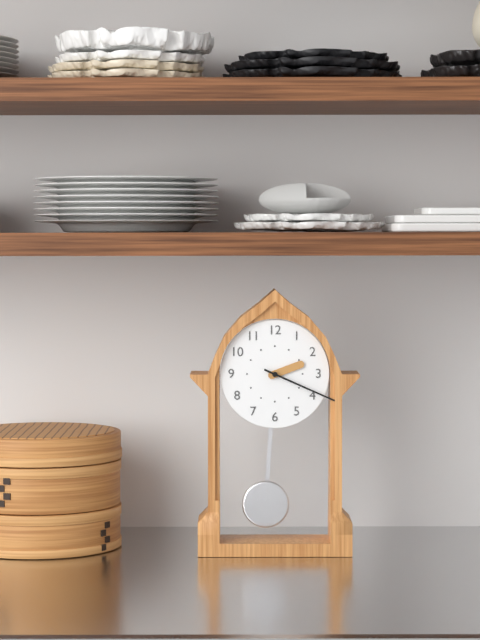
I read 2.19
